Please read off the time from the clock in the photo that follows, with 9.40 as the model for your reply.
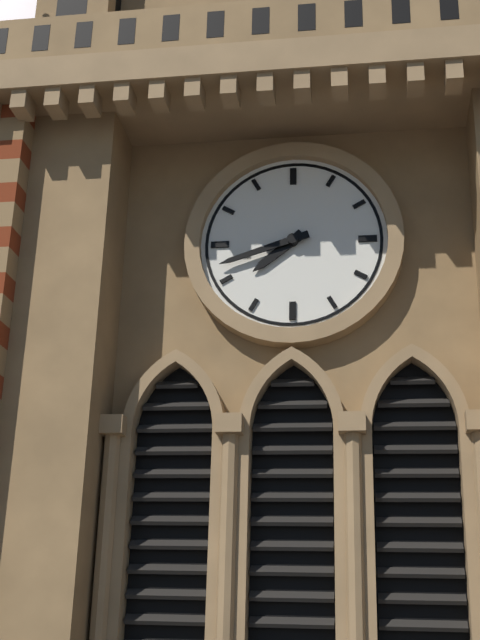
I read 7.42
